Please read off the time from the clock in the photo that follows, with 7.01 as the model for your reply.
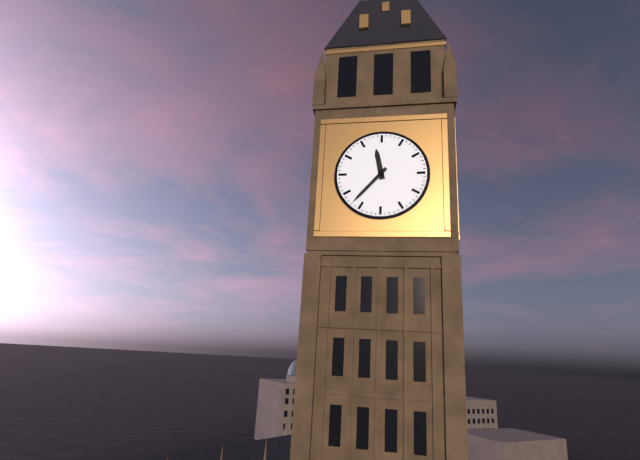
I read 11.37
